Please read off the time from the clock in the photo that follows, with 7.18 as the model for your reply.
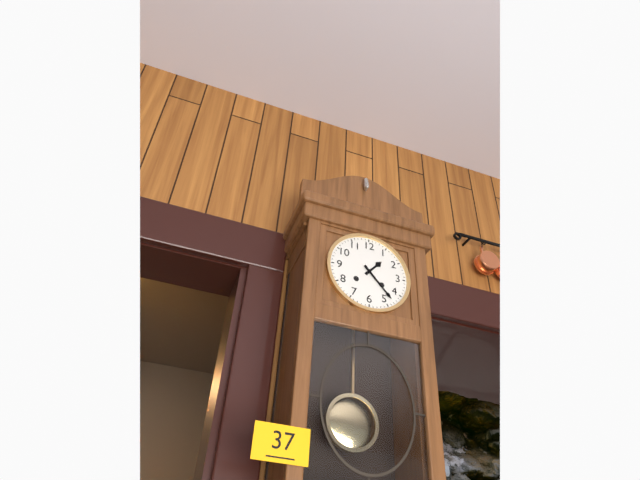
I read 1.23
